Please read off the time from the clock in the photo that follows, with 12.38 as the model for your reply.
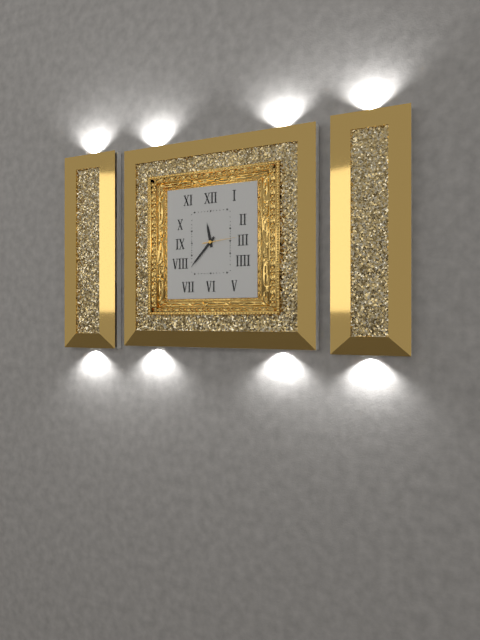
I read 11.37
